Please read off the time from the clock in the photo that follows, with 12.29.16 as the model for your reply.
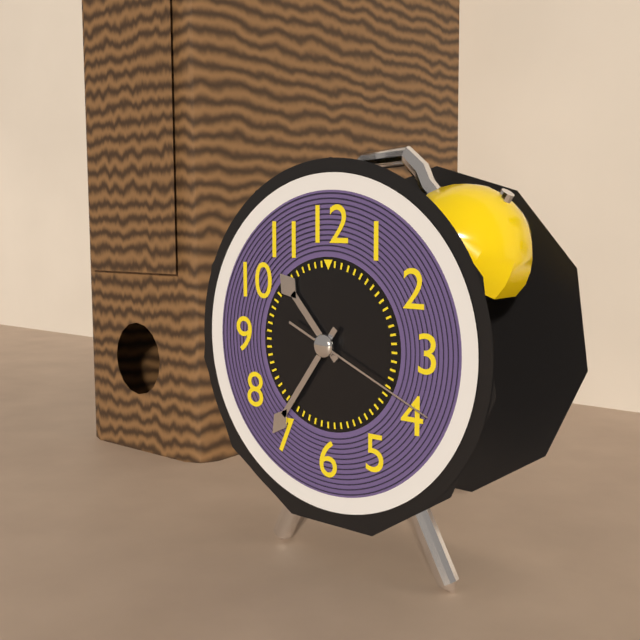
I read 10.36.19
